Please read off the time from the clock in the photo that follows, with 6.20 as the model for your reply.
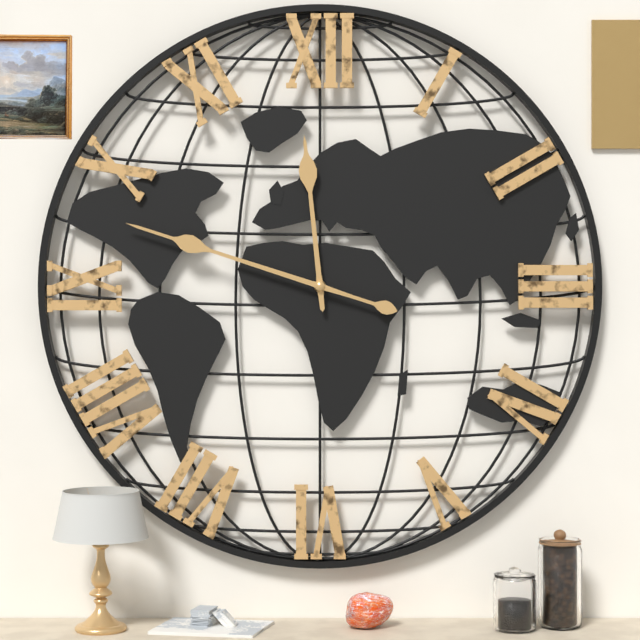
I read 11.48
